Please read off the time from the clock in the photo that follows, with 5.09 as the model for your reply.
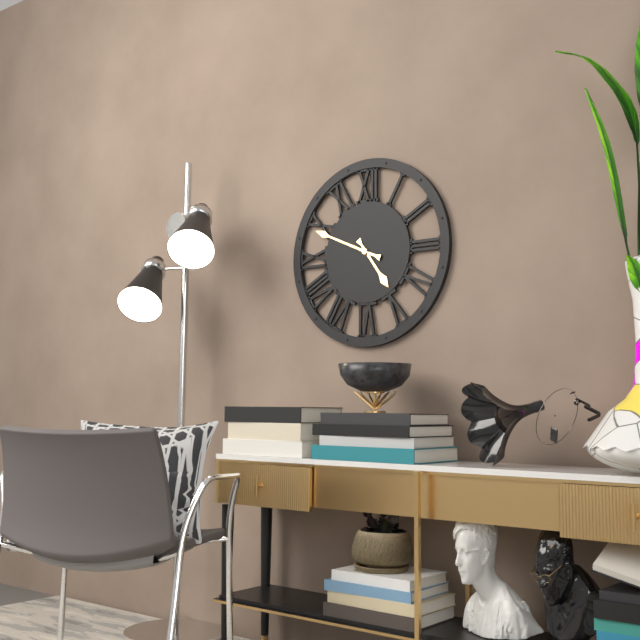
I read 4.49
